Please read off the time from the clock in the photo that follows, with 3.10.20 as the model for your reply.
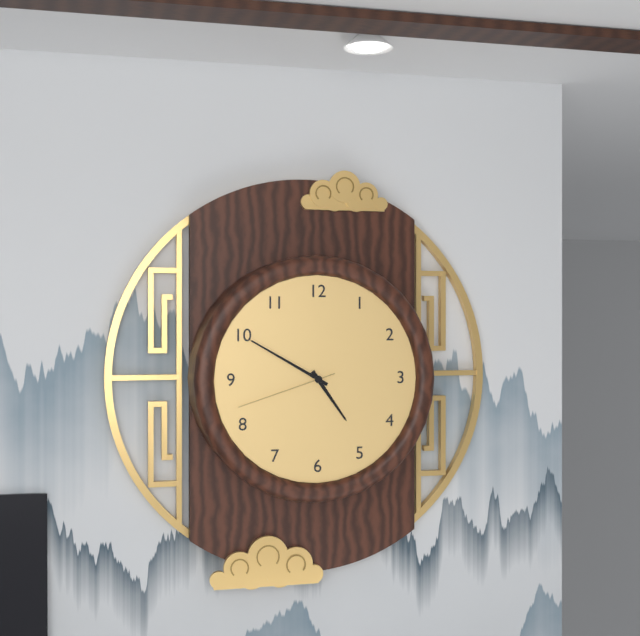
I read 4.50.42
